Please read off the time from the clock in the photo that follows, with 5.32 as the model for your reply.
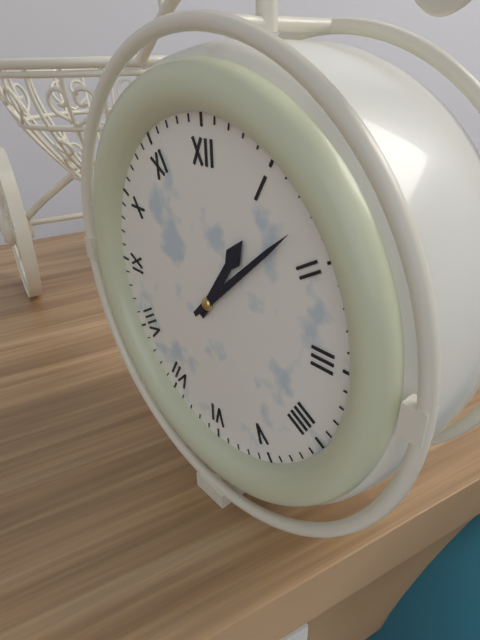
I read 1.08
